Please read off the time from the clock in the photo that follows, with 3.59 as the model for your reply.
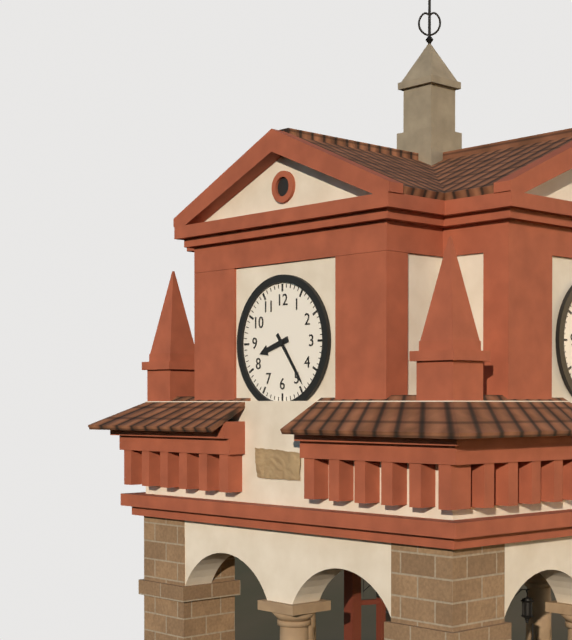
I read 8.24
